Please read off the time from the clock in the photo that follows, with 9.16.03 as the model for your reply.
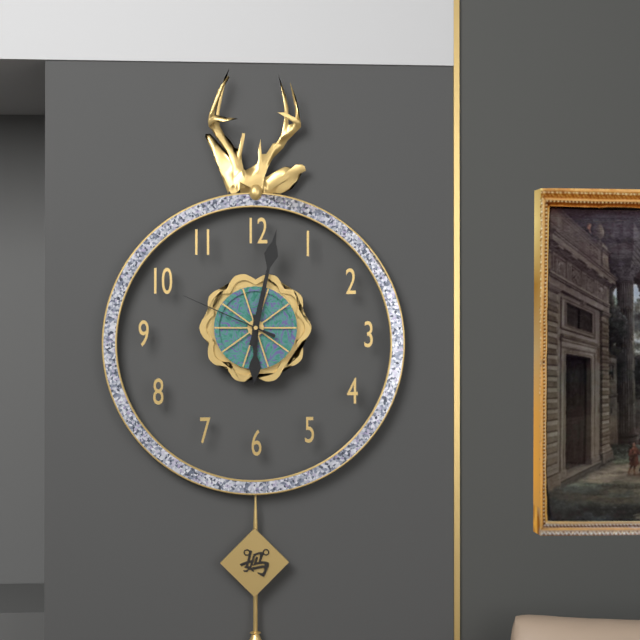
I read 6.02.49
